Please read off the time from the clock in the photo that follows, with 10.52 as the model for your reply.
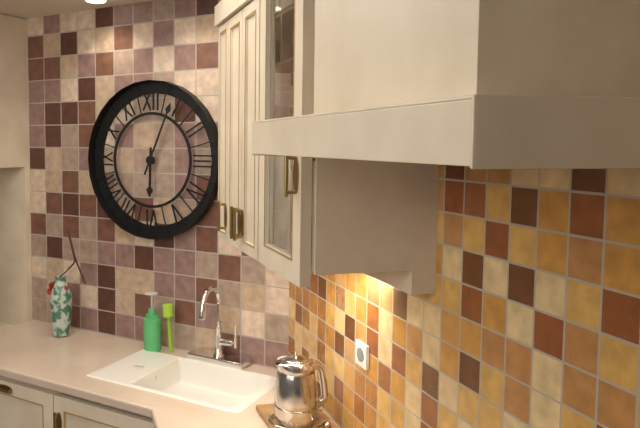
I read 6.04
